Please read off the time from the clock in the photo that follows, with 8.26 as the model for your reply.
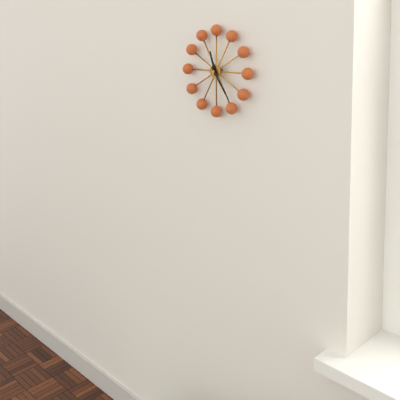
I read 11.24
